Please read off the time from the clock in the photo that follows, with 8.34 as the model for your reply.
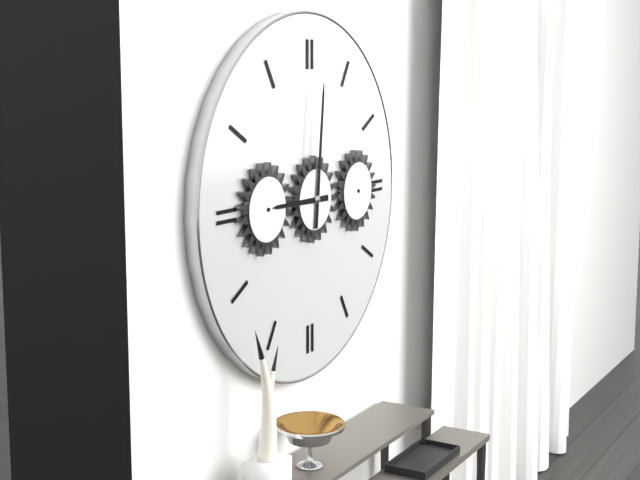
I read 9.01
